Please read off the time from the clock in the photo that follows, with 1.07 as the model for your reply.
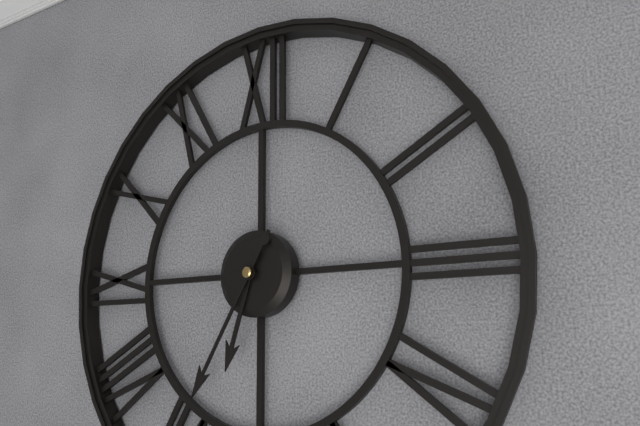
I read 6.35
